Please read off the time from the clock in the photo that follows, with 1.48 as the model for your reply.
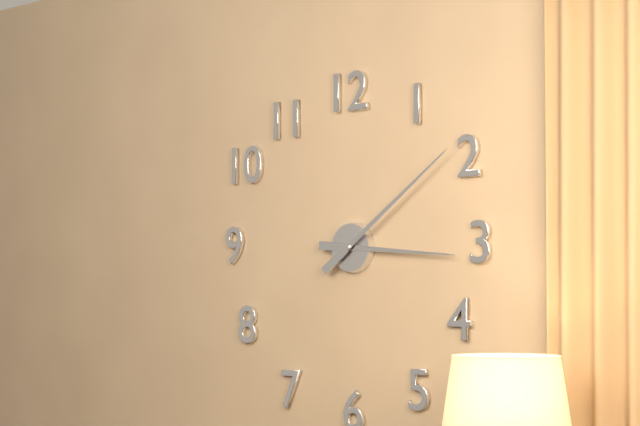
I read 3.09
